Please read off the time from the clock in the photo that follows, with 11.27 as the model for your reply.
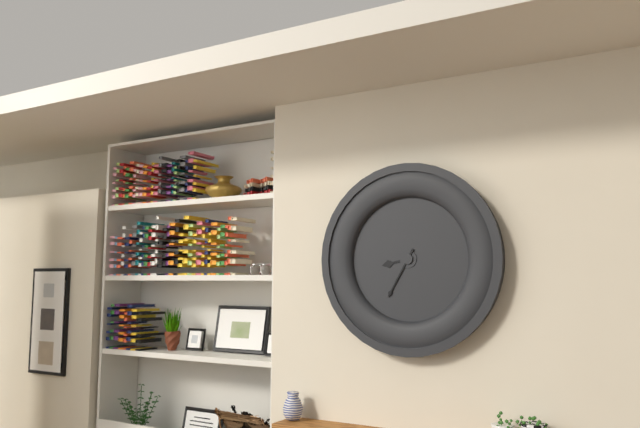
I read 8.35
